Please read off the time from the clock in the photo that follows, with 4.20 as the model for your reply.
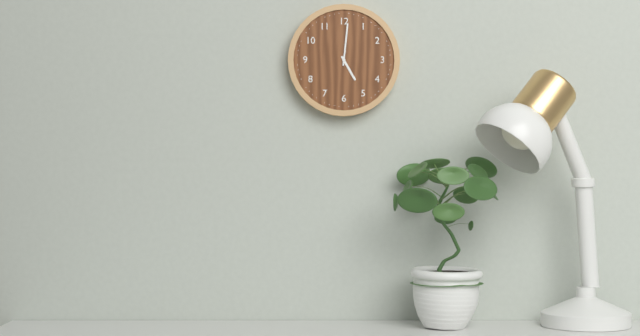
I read 5.01
